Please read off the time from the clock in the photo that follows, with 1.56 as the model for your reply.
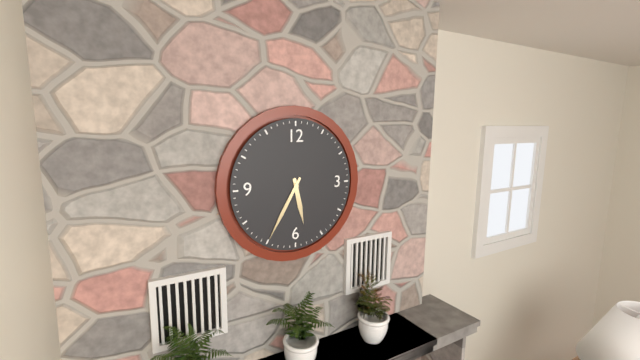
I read 5.35
